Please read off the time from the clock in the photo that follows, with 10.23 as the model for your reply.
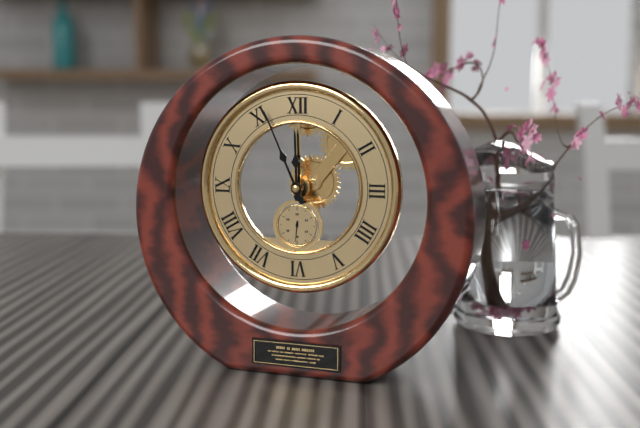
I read 11.56
